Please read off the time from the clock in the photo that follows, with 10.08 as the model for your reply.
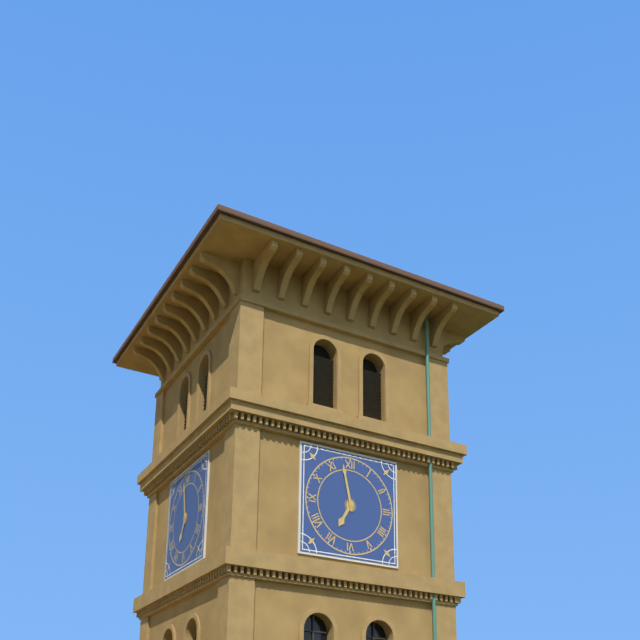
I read 6.58
